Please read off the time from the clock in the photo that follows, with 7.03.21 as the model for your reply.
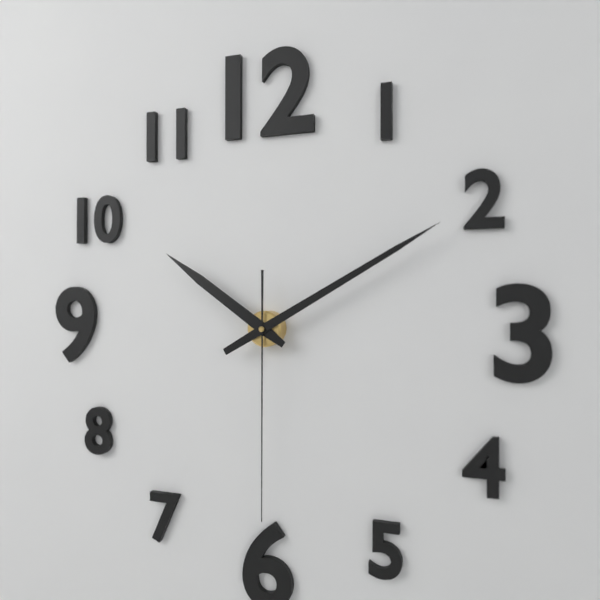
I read 10.10.30
